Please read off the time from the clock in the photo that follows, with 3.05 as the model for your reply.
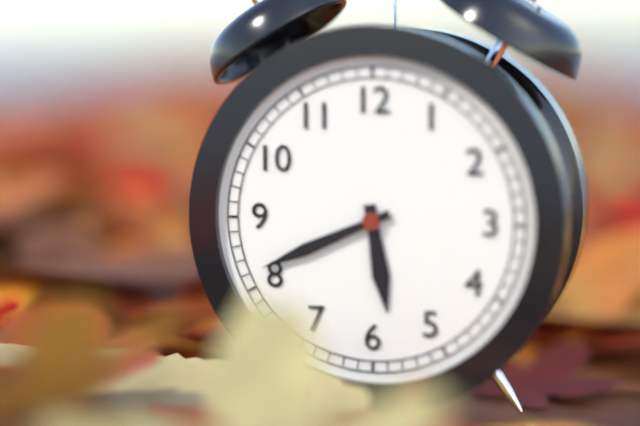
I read 5.41
